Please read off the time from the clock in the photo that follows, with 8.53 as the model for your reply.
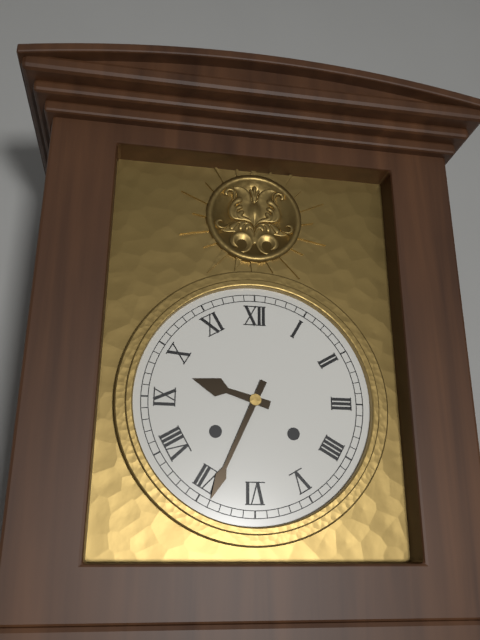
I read 9.34
